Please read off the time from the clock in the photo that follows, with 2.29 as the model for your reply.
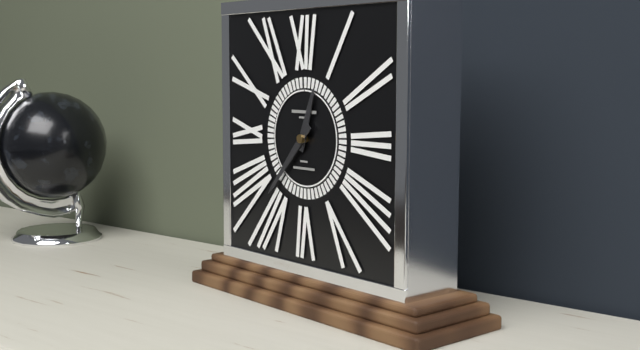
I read 12.37
